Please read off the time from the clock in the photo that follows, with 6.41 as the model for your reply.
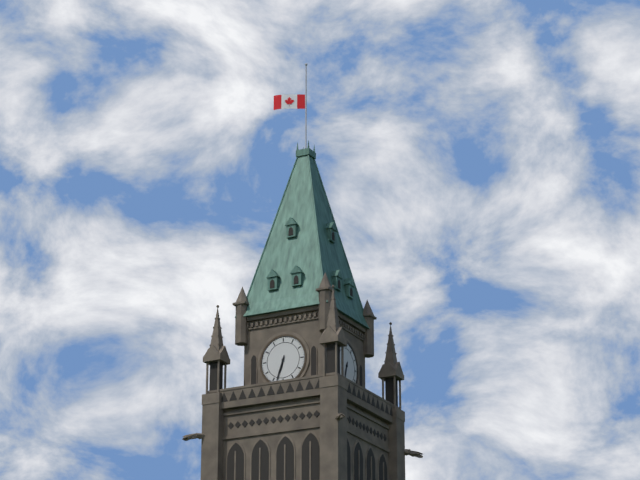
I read 6.33
